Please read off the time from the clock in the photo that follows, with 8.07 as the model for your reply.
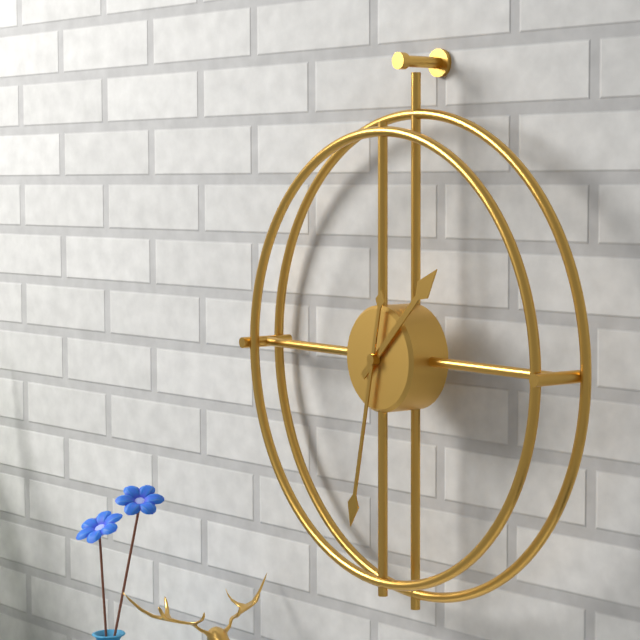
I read 1.32
